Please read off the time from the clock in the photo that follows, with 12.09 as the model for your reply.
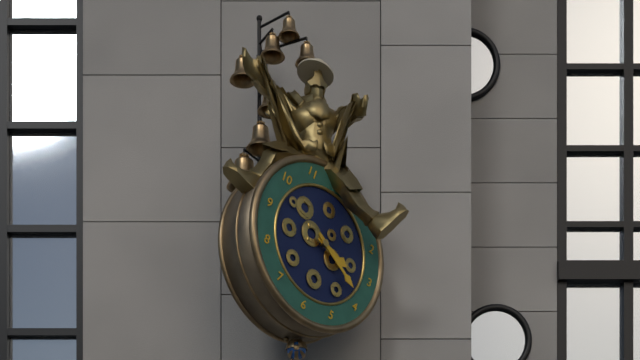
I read 3.19
